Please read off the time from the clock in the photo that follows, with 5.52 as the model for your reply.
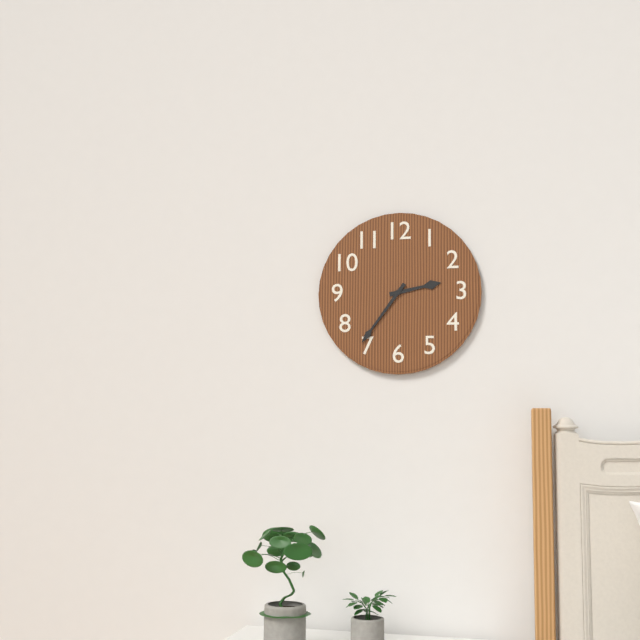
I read 2.36
